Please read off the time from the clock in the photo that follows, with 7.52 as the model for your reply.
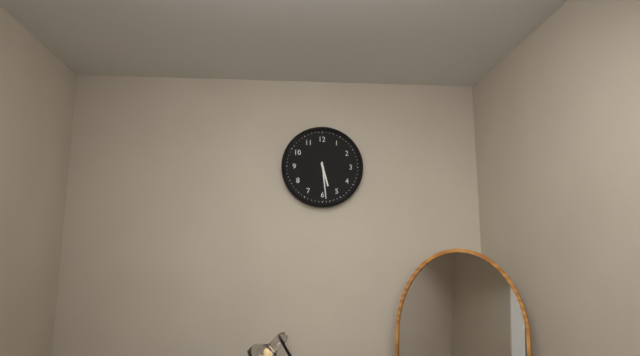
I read 5.29
